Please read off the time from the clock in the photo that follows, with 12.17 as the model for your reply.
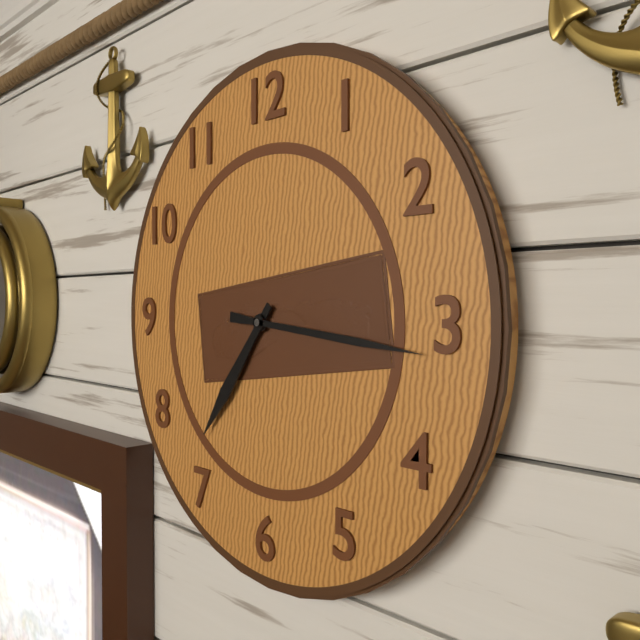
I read 7.16
